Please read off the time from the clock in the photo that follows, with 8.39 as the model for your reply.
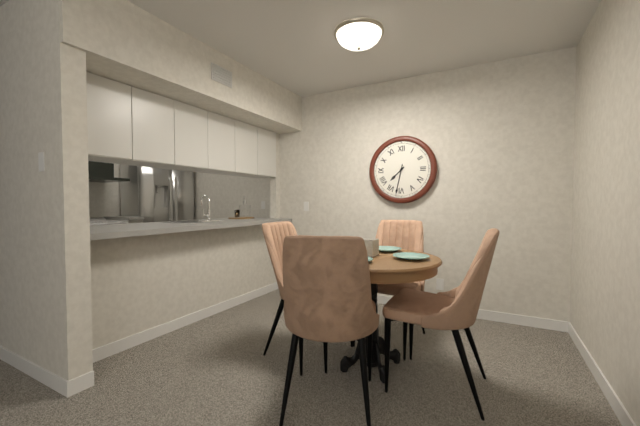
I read 7.32
